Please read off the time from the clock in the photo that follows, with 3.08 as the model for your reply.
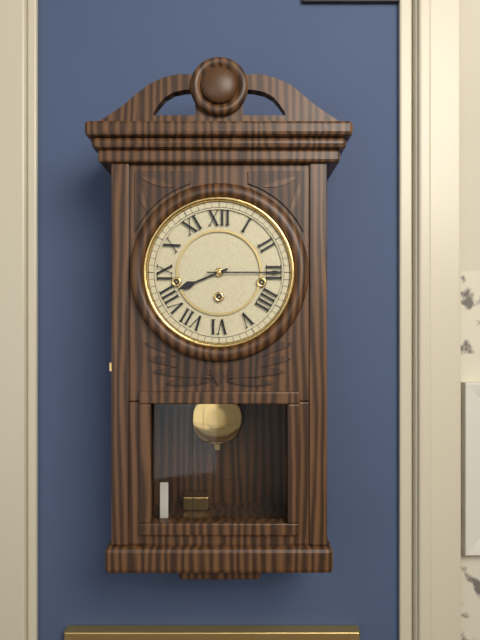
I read 8.15
